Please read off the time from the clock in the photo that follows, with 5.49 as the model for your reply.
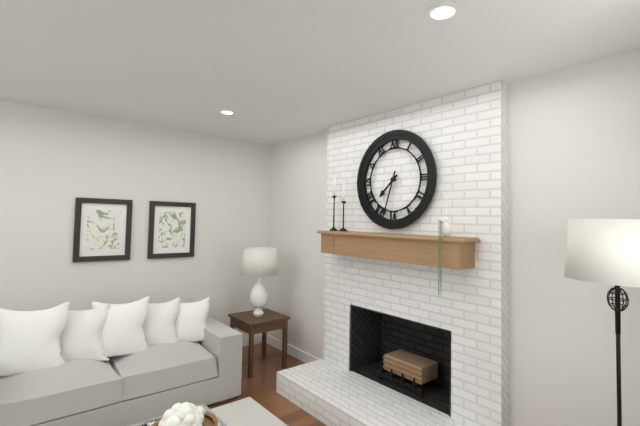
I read 7.33
